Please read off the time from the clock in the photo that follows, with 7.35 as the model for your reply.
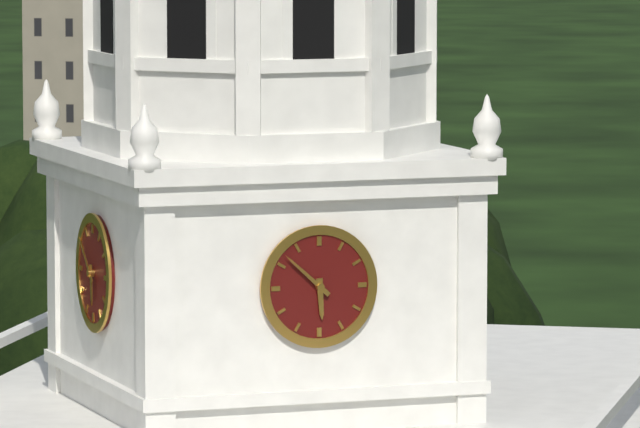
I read 5.52
